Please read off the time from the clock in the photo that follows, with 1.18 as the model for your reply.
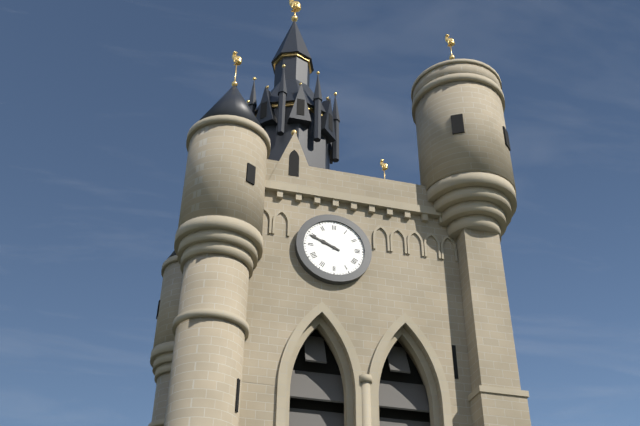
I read 9.49
